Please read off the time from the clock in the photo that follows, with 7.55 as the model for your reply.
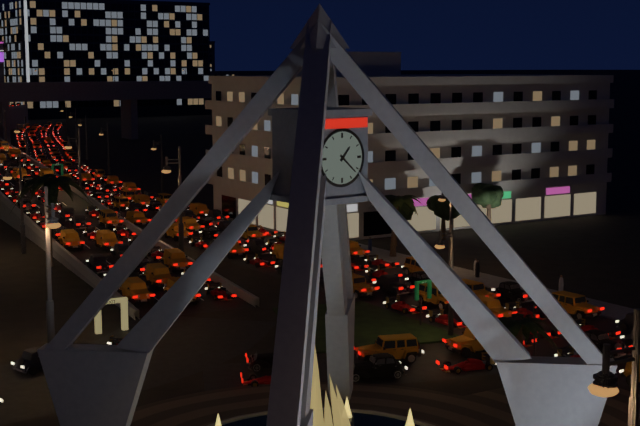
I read 1.22
